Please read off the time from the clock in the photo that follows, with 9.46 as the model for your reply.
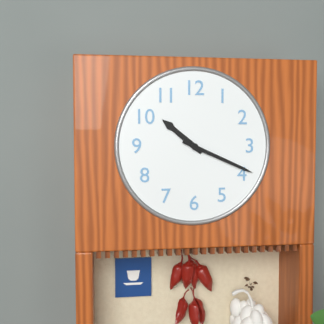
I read 10.19
